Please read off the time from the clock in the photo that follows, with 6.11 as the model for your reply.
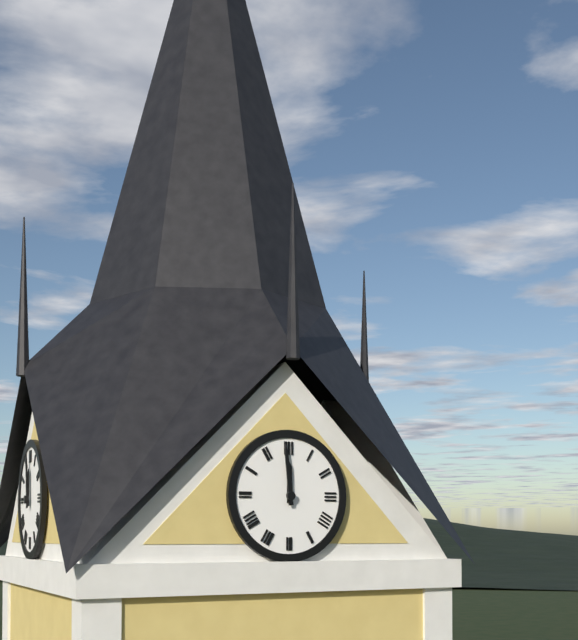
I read 11.59
